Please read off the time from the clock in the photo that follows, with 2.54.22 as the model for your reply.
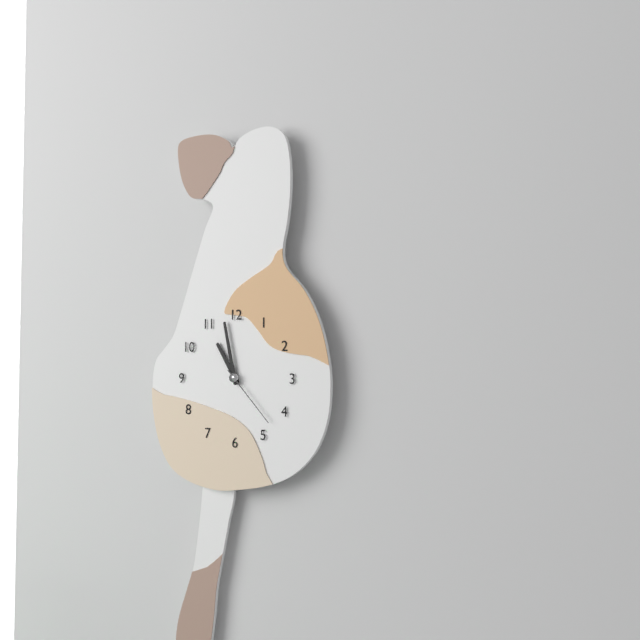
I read 10.58.23
